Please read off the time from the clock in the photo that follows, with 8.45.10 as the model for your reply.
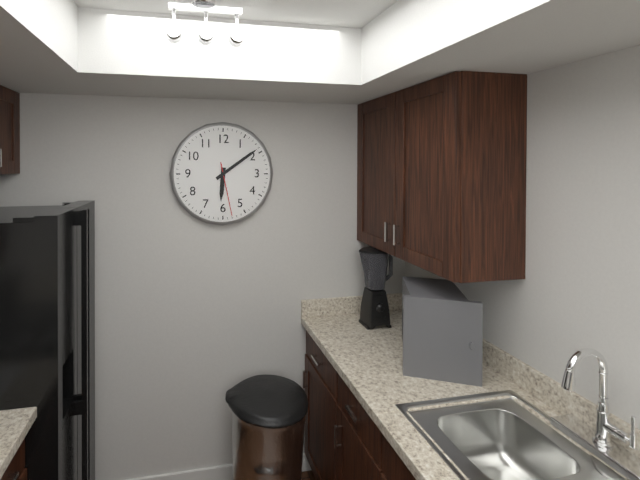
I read 6.09.28
